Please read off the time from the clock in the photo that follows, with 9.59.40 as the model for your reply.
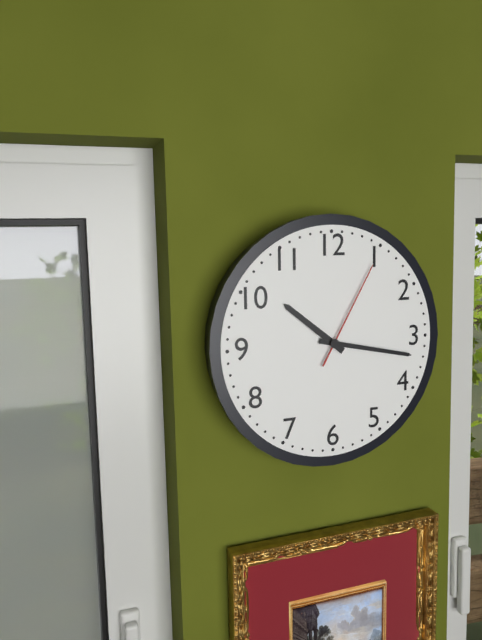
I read 10.17.05
